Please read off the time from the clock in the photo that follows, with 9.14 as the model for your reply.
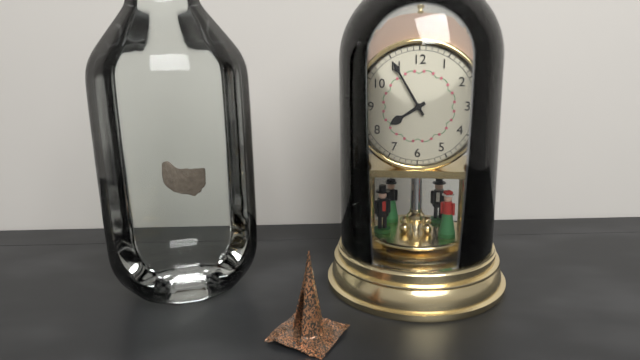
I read 7.55
